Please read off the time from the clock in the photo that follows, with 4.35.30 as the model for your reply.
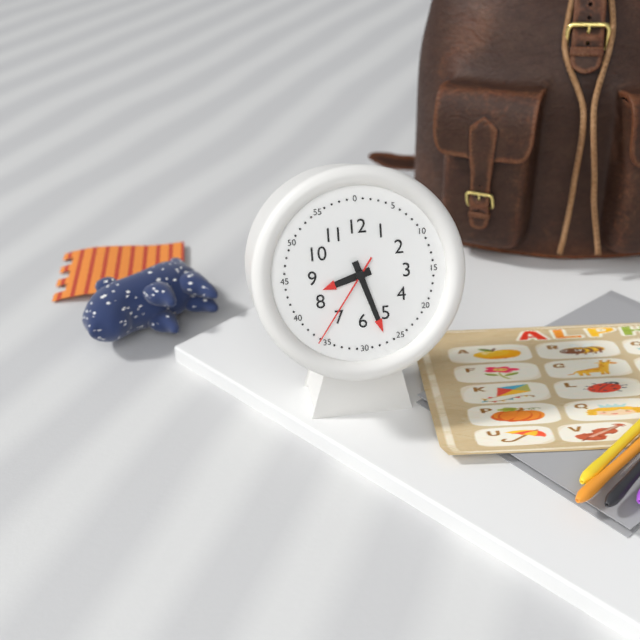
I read 8.27.36
